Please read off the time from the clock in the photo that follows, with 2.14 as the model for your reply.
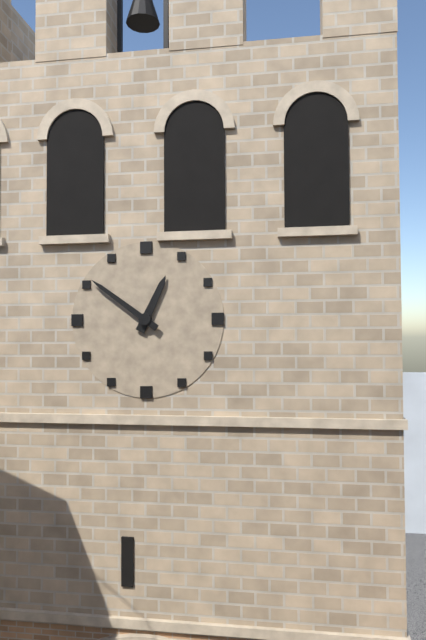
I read 12.51
